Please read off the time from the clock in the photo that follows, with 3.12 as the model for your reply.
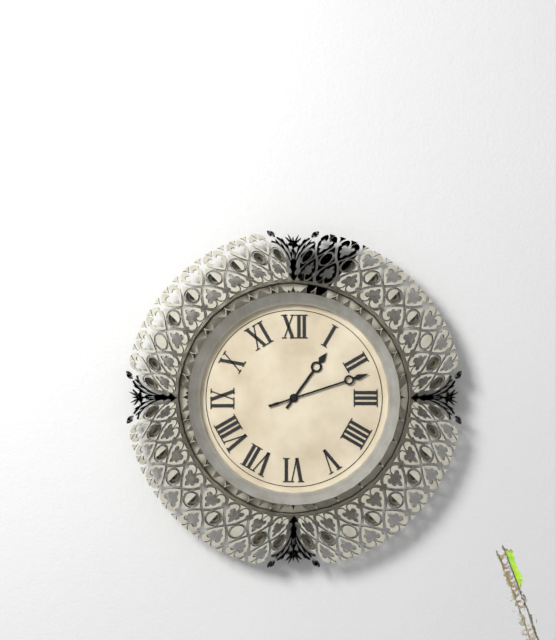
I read 1.12
